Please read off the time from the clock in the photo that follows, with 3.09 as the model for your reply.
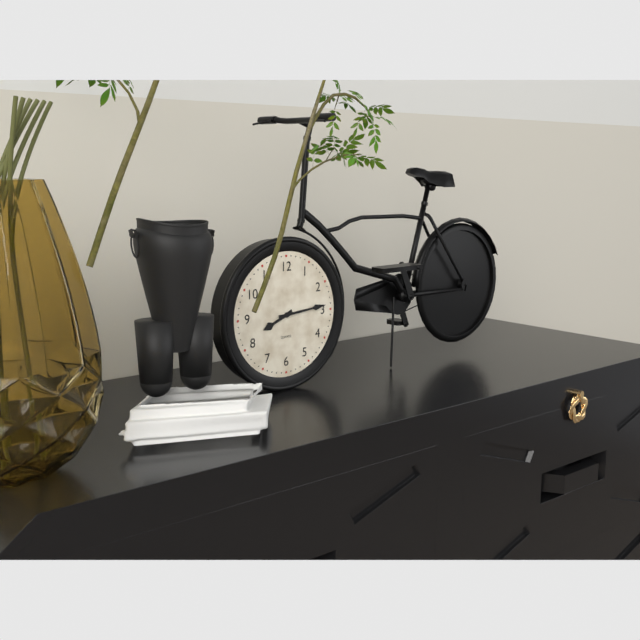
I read 8.14
